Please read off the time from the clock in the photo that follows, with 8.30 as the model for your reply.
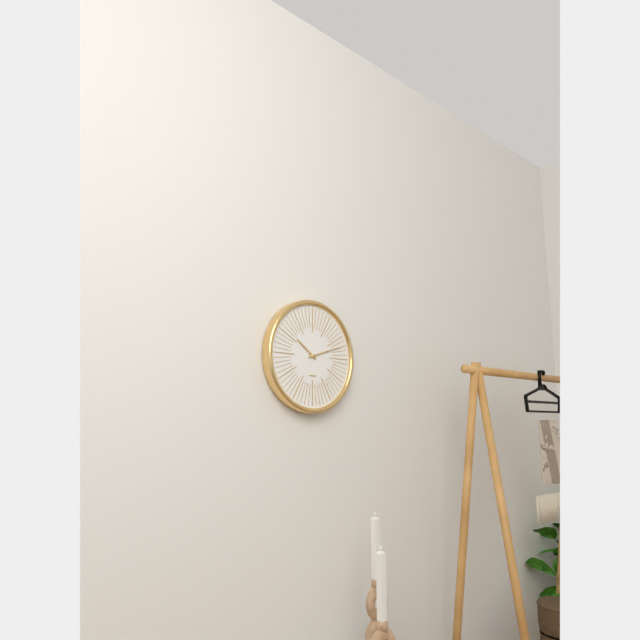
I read 10.12
